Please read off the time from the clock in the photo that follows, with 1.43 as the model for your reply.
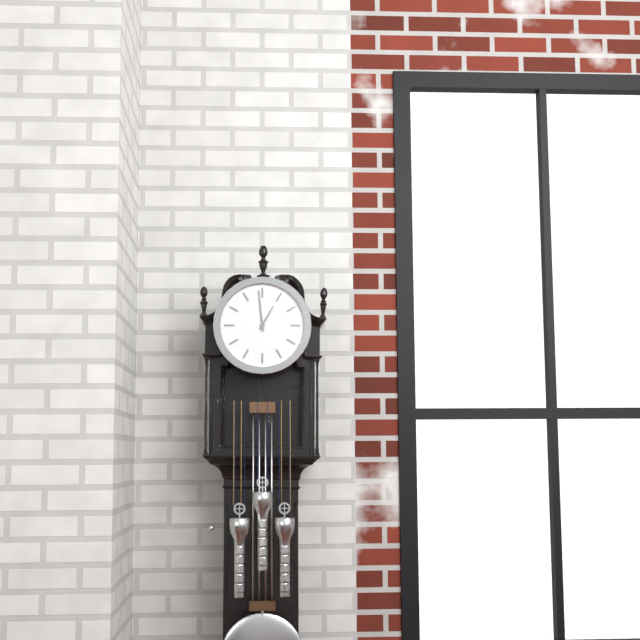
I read 12.59
